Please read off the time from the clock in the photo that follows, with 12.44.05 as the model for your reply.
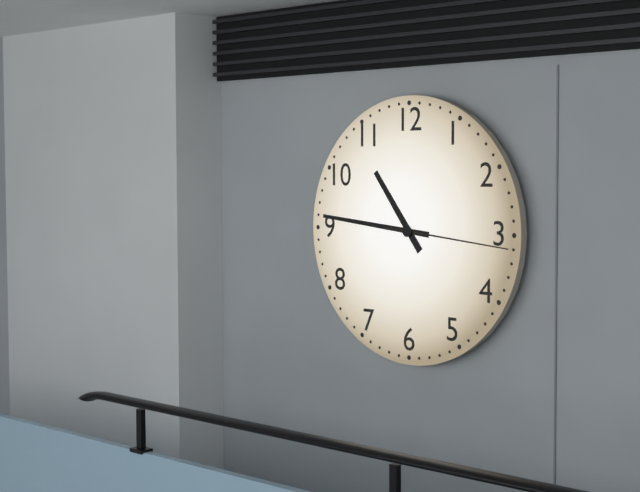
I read 10.46.16
